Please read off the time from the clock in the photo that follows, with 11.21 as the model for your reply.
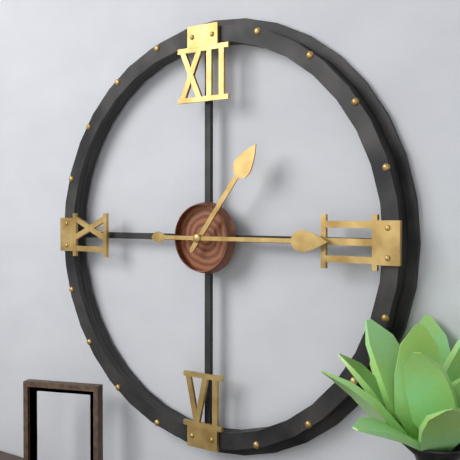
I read 1.15
